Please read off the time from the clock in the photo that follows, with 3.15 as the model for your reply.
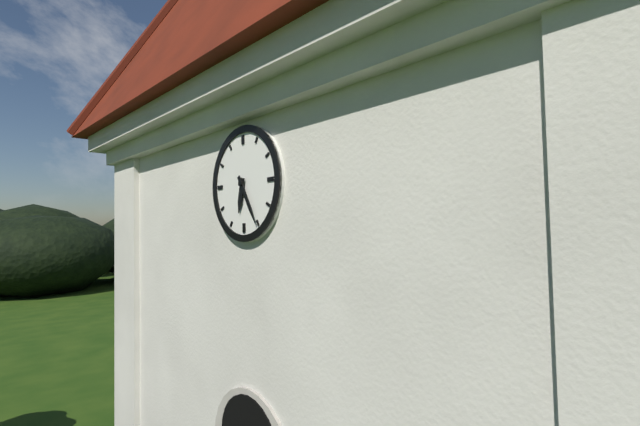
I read 6.25
